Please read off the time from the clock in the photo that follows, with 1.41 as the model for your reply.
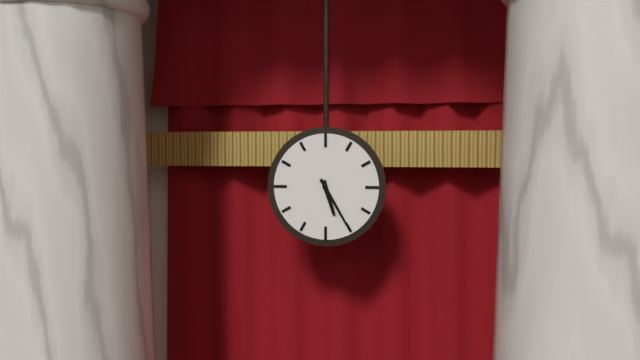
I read 5.25
